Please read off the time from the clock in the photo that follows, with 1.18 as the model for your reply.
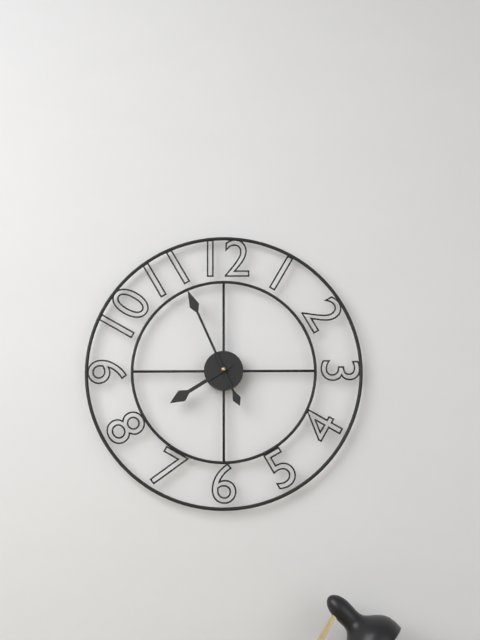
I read 7.56
